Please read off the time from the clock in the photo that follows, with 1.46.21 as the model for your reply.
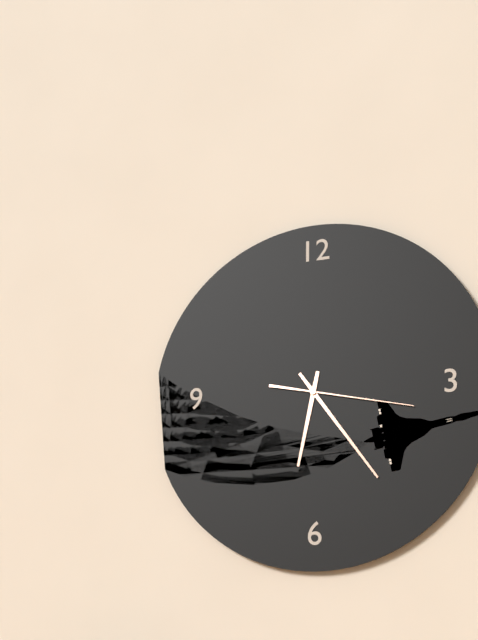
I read 6.24.17
